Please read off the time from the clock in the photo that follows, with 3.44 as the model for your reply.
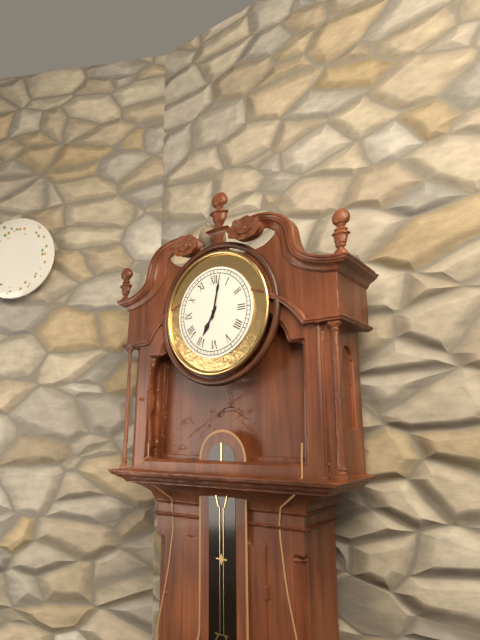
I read 7.02
